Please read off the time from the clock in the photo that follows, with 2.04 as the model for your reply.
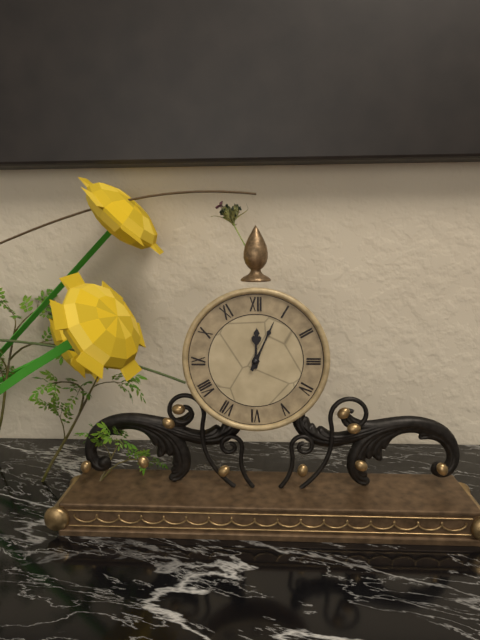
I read 12.04
